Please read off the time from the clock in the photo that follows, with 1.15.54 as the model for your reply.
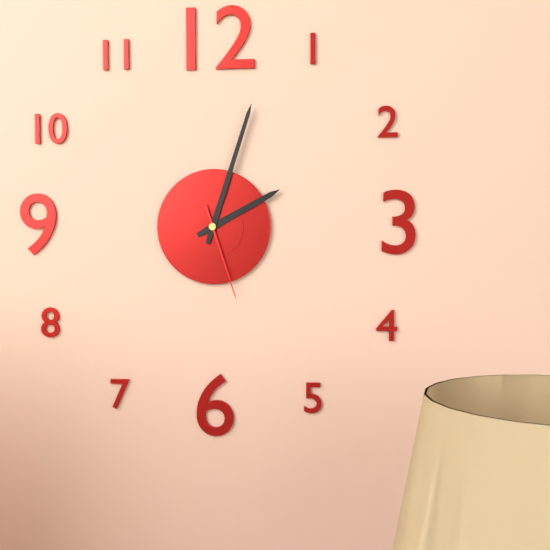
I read 2.03.27
